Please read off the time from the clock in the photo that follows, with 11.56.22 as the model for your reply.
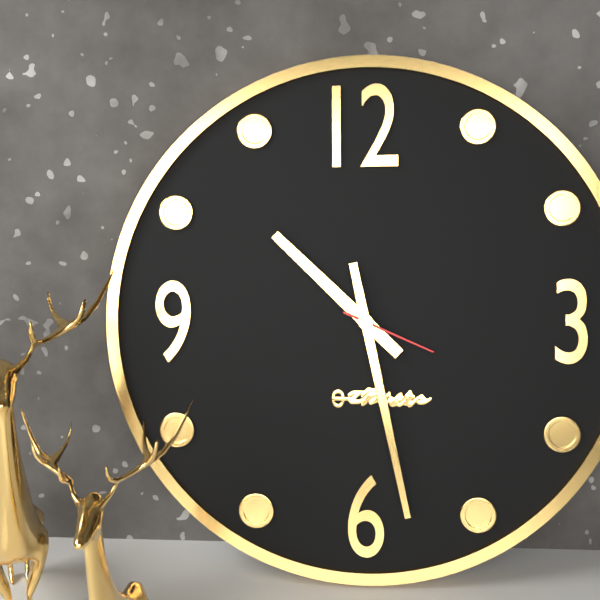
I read 10.28.19
